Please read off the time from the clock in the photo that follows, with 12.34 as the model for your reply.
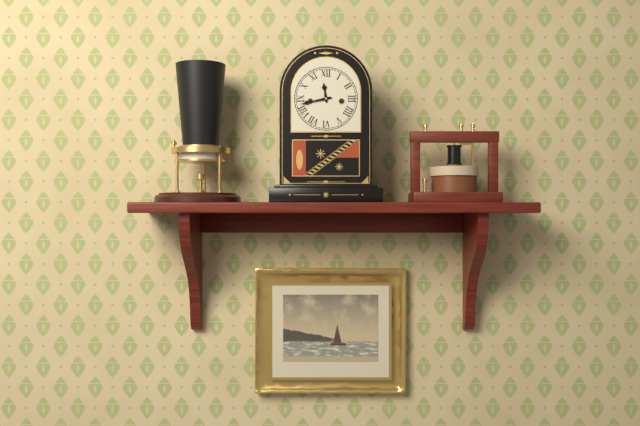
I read 11.43
